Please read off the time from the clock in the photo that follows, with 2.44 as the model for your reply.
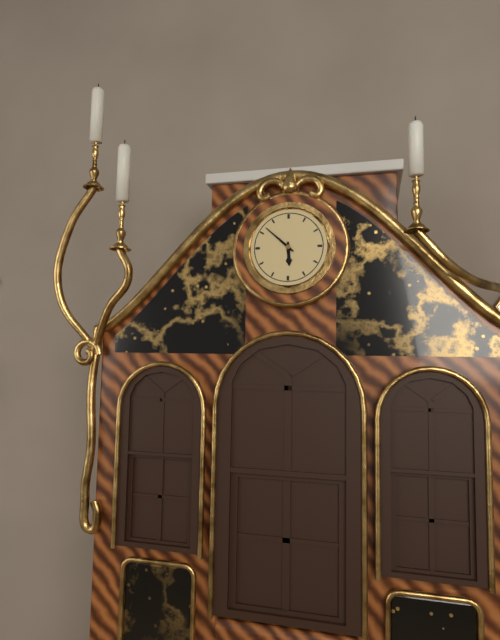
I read 5.52
